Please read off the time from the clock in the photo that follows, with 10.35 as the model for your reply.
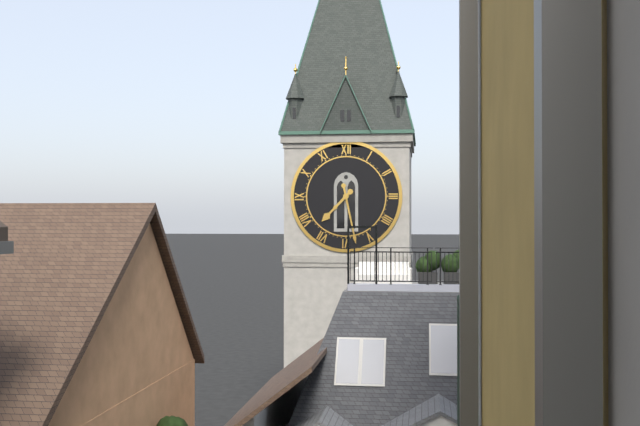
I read 7.28
